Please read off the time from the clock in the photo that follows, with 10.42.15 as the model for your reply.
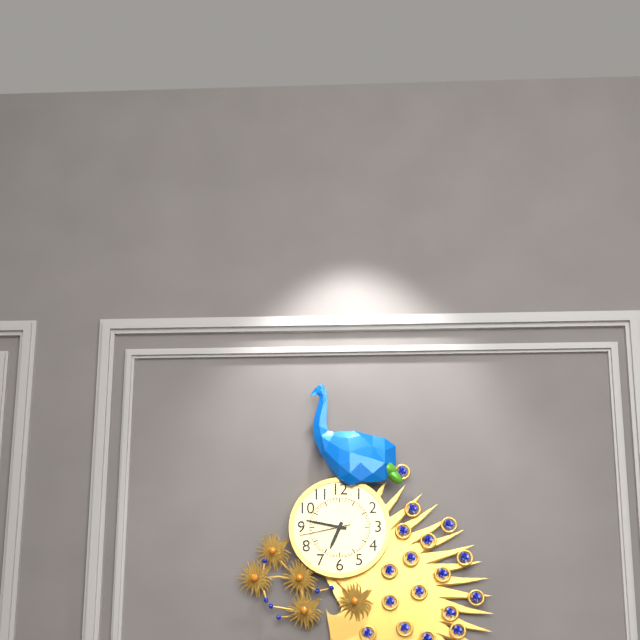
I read 6.47.43
